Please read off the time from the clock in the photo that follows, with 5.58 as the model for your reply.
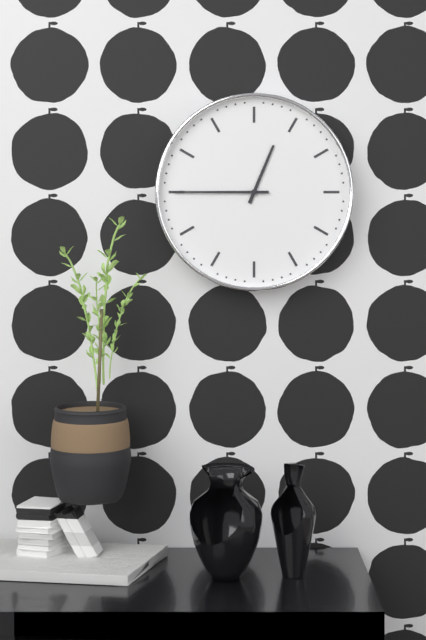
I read 12.45
